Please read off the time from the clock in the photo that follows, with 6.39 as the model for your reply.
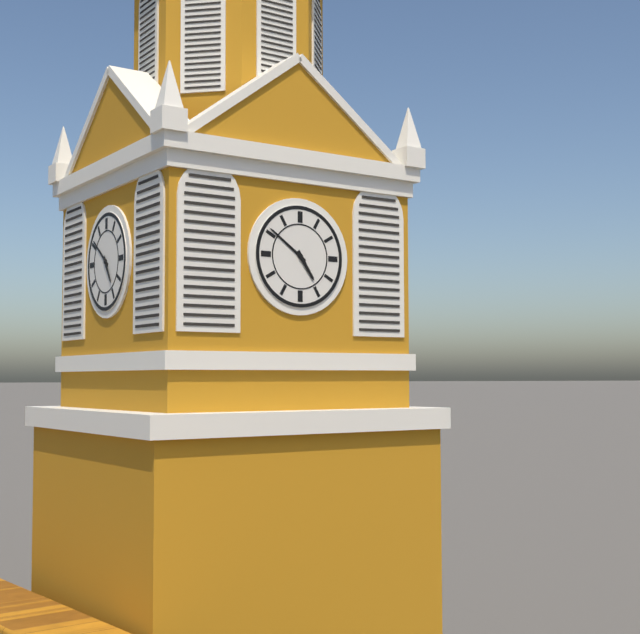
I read 4.51
